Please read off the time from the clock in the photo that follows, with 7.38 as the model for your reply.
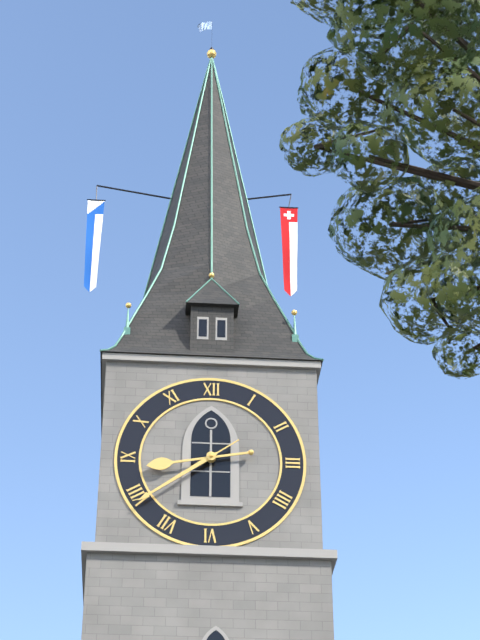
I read 8.39
